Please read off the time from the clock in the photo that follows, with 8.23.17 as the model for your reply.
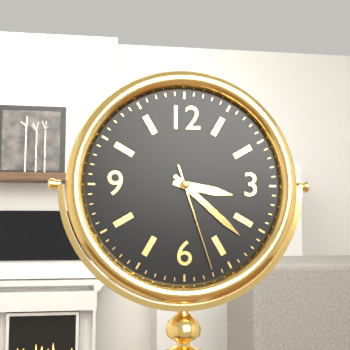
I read 3.22.27
